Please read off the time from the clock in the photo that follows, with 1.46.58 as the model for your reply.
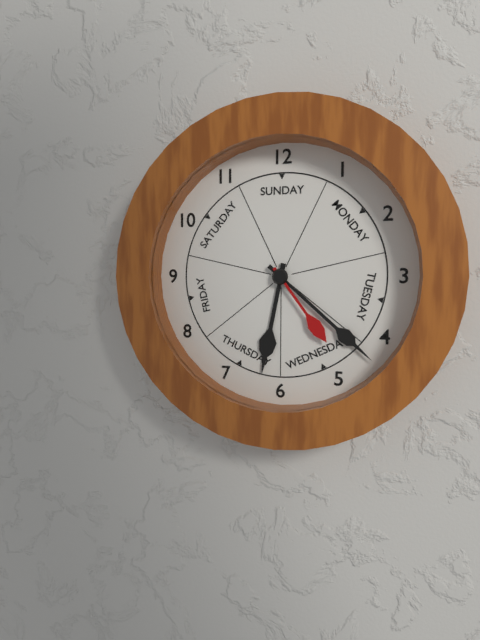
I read 6.22.24
